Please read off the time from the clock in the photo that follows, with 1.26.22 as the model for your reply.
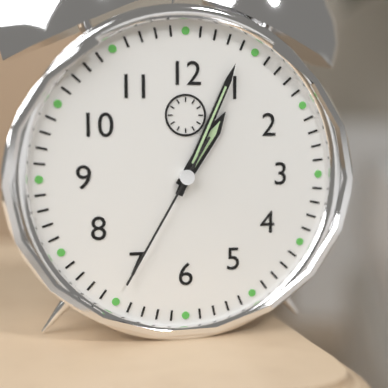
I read 1.04.35
